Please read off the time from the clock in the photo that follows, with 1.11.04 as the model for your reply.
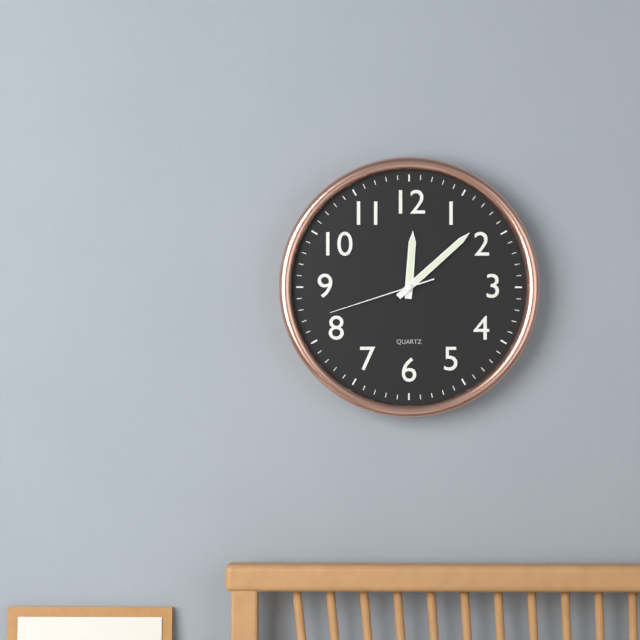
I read 12.08.42
